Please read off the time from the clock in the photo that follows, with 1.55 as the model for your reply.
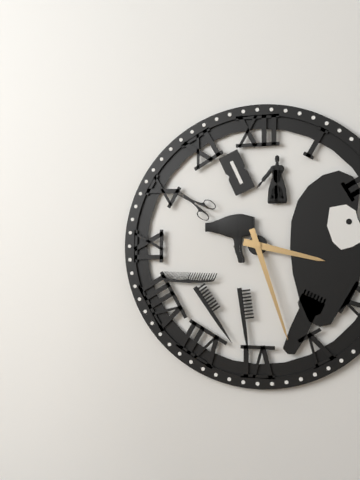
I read 3.27
